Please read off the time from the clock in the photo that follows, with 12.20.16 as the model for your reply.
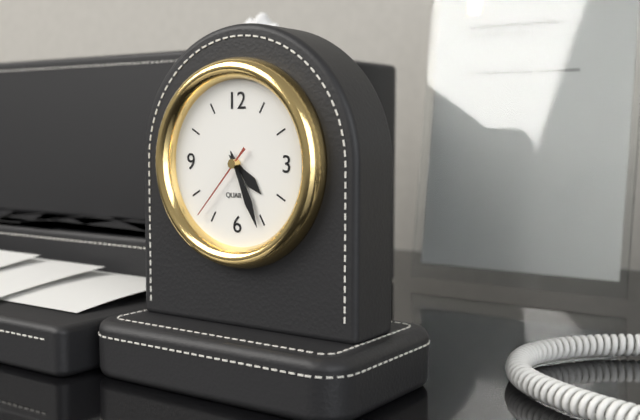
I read 4.26.37
